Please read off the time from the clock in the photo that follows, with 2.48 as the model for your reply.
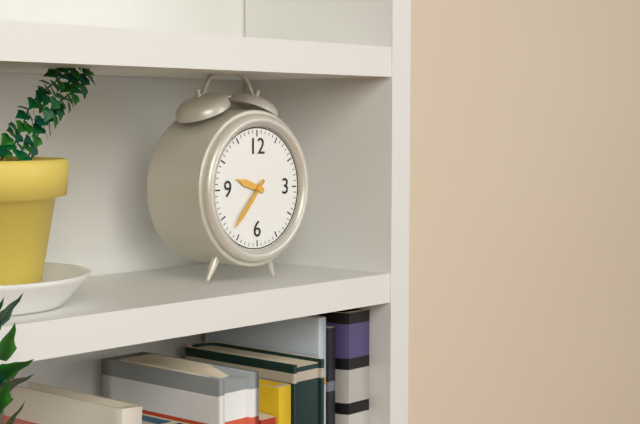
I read 9.37
